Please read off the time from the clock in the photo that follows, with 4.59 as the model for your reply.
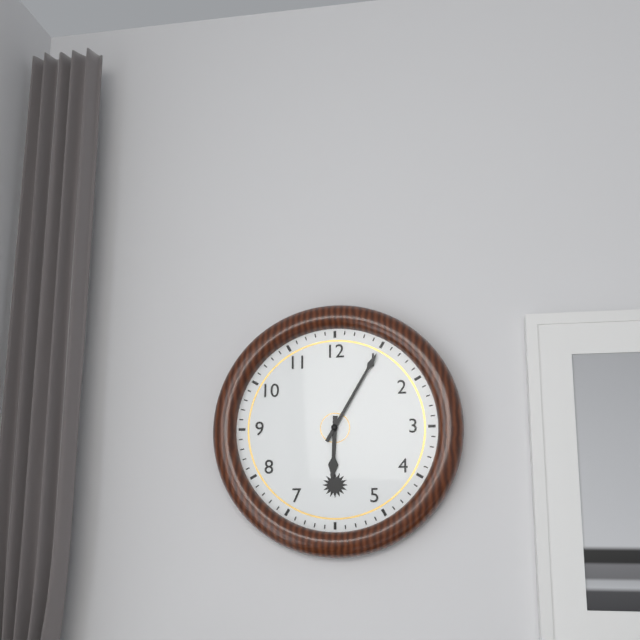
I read 6.05
